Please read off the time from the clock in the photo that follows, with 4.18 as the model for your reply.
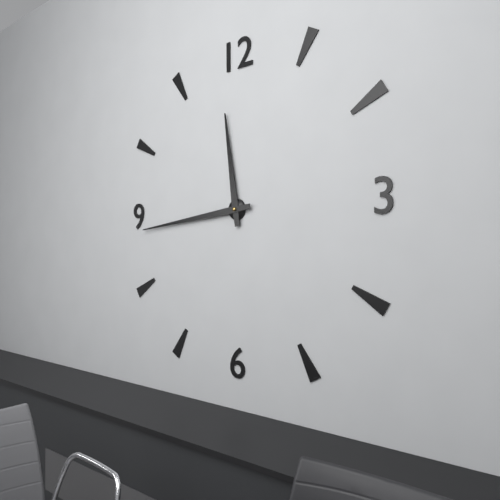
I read 11.44
